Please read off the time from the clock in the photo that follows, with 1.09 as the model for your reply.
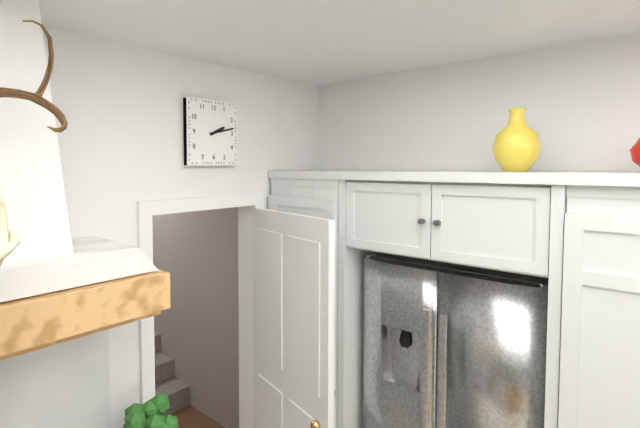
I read 2.13
